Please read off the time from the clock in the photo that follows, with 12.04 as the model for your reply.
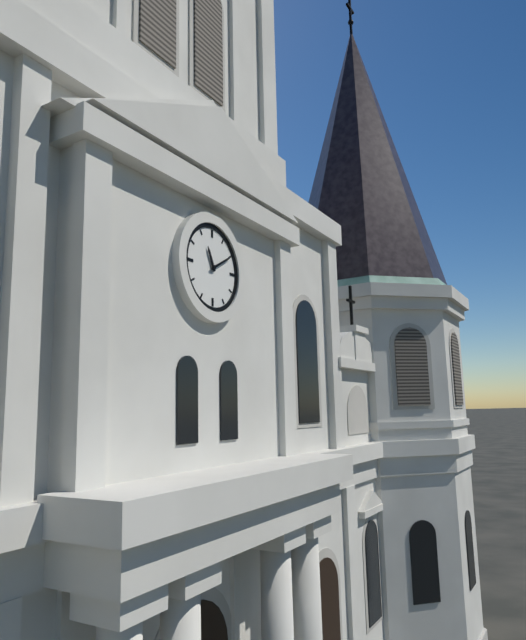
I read 11.10
